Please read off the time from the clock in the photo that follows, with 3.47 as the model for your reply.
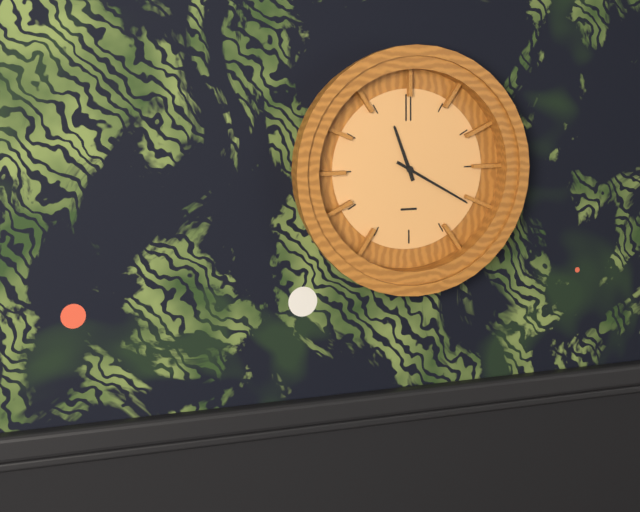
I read 11.20
